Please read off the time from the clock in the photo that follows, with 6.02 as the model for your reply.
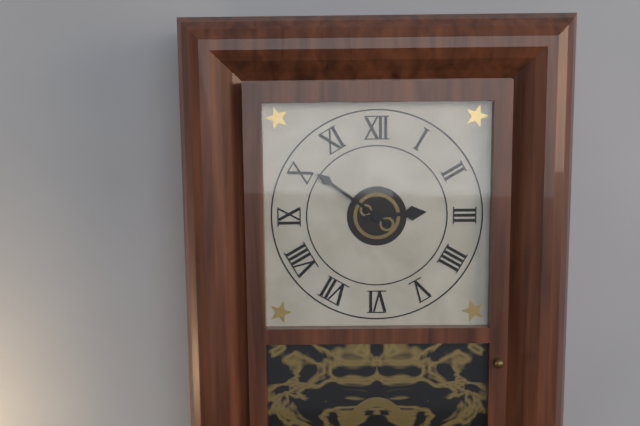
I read 2.51
